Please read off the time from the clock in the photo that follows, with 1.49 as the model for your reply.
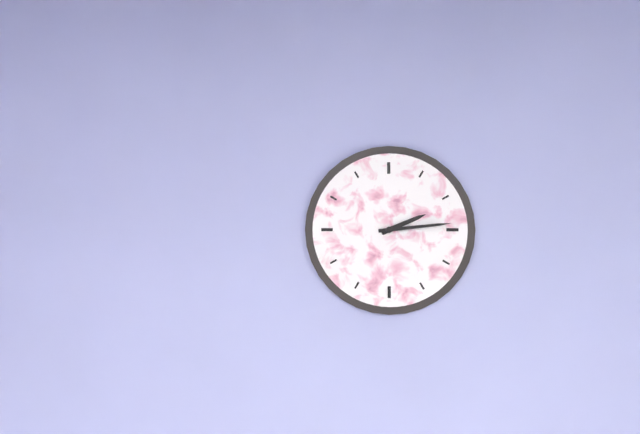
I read 2.14
